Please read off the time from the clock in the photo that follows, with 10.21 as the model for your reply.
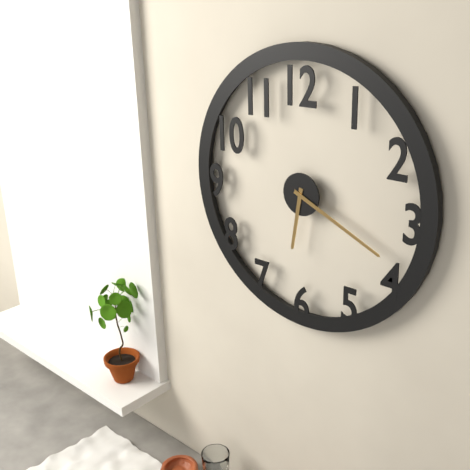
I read 6.19
